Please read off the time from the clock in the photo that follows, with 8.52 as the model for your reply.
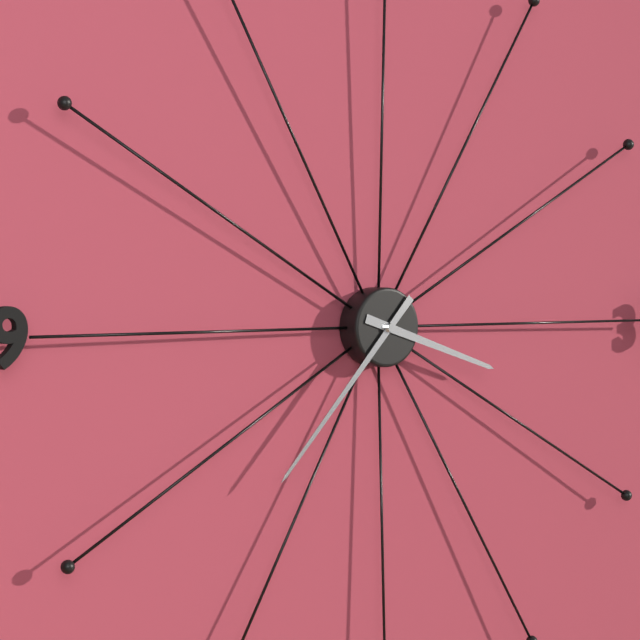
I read 3.37
